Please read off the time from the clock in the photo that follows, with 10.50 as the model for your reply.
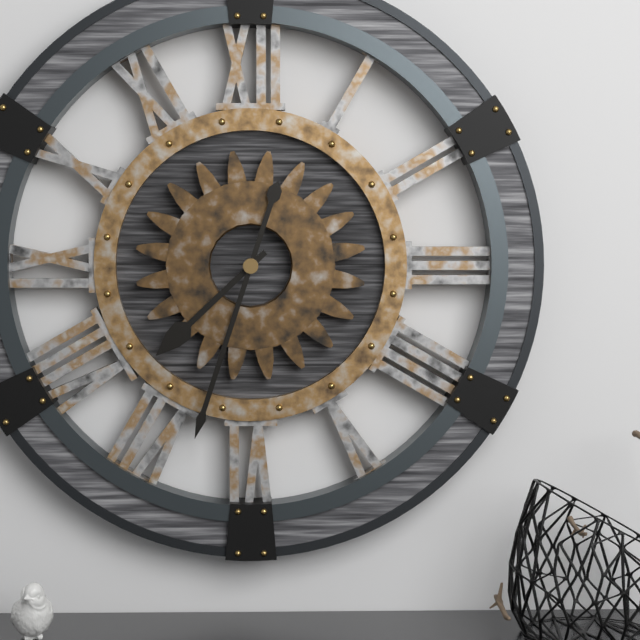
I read 7.33
